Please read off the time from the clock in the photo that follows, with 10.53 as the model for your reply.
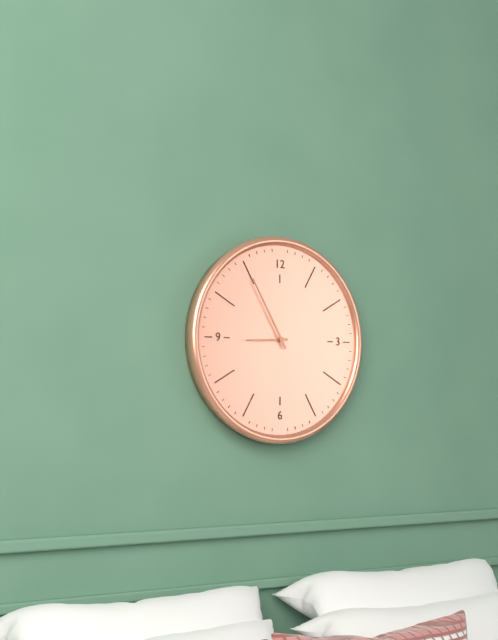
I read 8.55
